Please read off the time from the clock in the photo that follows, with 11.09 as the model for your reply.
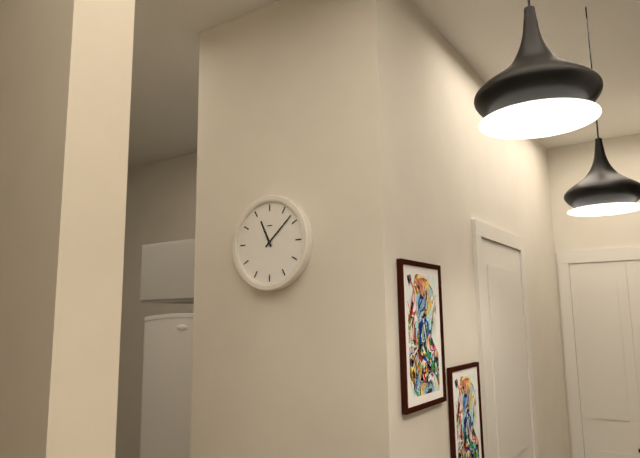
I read 11.08
